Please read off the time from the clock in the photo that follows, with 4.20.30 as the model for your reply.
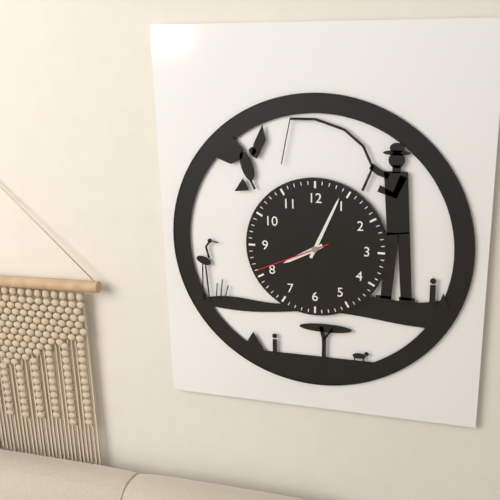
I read 8.04.41
